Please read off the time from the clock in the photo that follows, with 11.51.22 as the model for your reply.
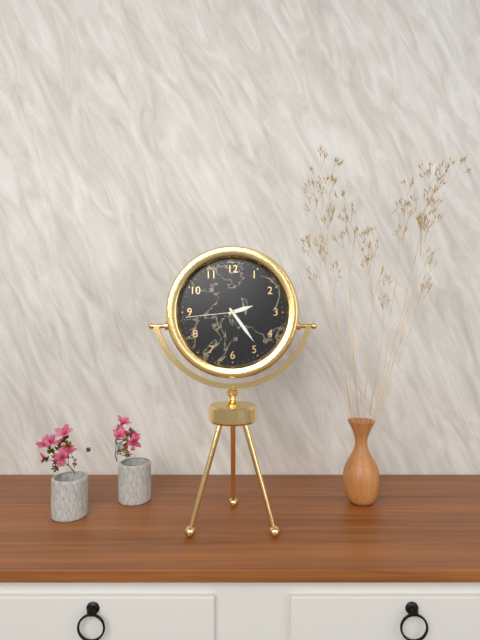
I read 2.24.44
